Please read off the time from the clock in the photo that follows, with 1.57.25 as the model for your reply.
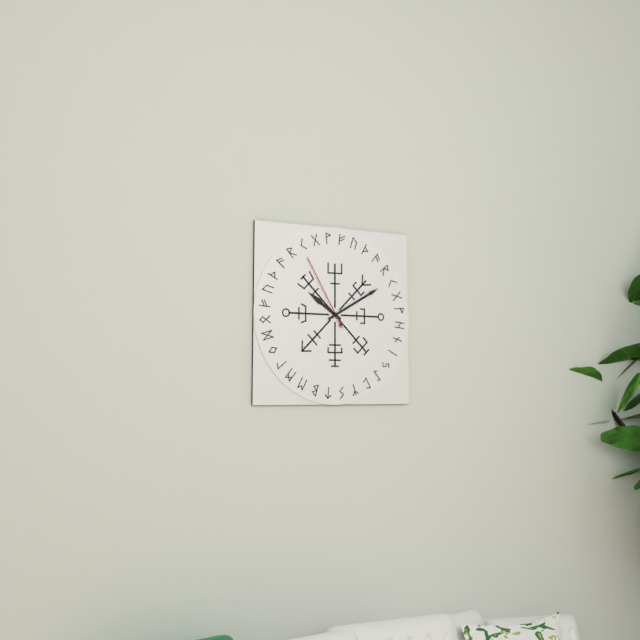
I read 10.10.55
